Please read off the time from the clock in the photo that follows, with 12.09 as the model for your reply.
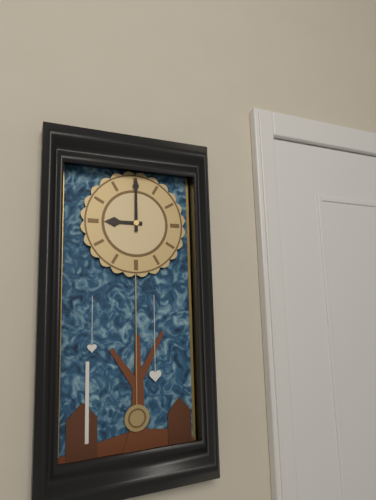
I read 9.00
